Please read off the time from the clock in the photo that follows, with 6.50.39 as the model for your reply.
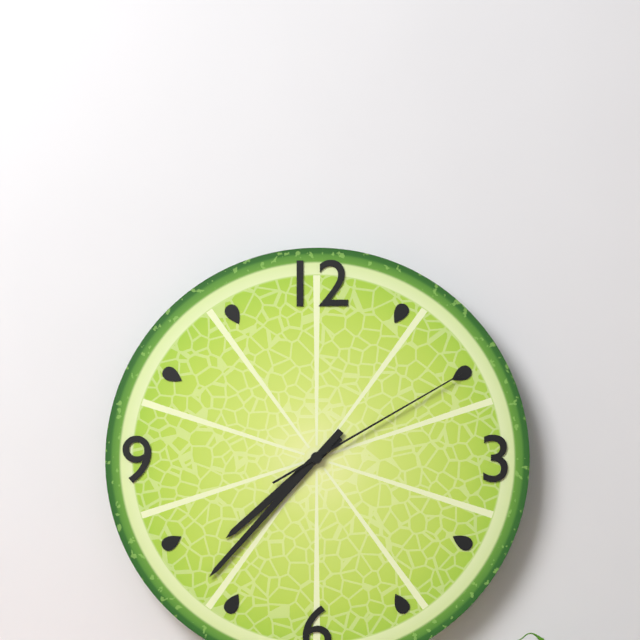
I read 7.37.10
